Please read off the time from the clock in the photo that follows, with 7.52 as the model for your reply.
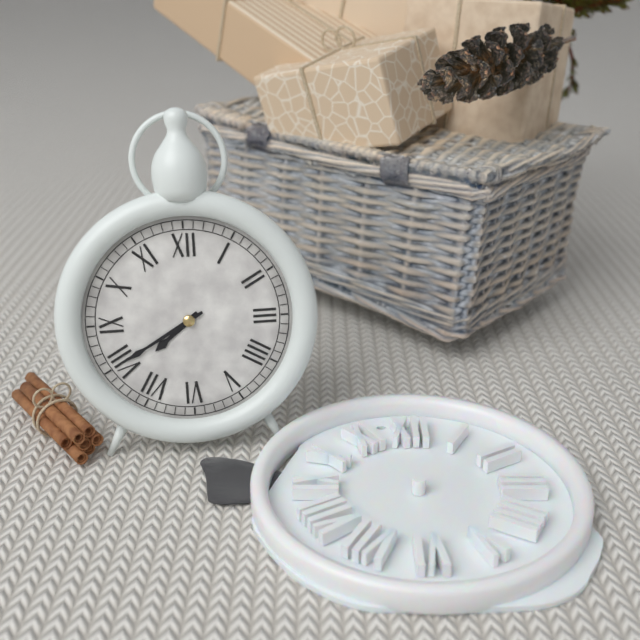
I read 7.40
